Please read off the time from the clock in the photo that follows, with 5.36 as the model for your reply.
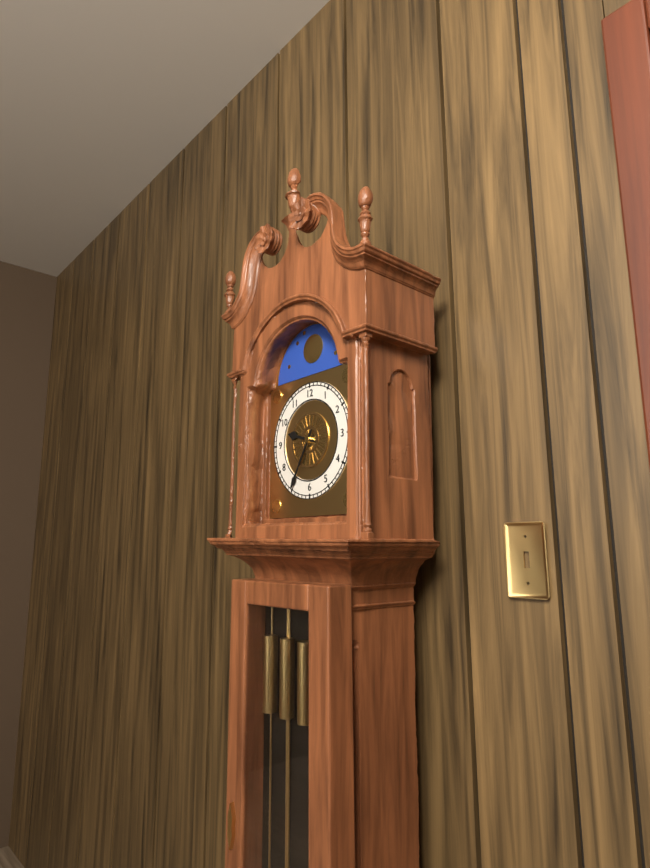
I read 9.35
